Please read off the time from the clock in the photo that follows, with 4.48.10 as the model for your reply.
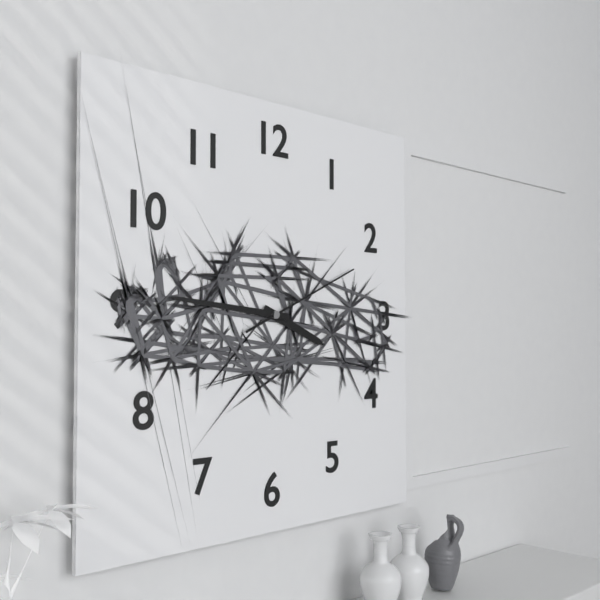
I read 3.46.11
